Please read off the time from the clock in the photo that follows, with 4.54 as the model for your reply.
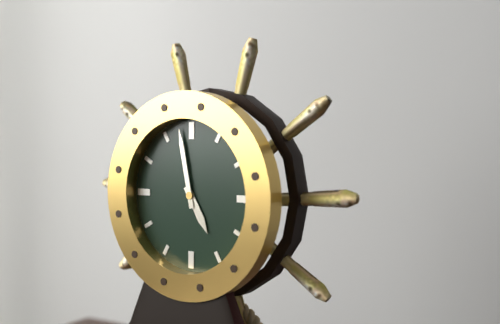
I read 4.58
